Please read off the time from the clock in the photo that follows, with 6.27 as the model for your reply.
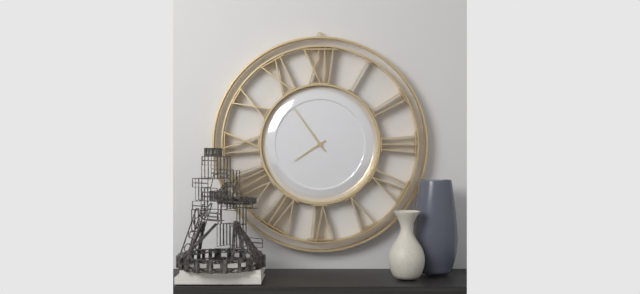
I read 7.54
